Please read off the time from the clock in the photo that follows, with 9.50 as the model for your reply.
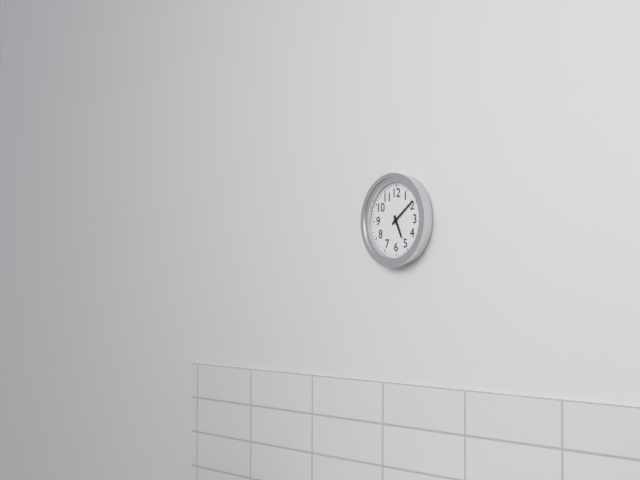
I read 5.09
